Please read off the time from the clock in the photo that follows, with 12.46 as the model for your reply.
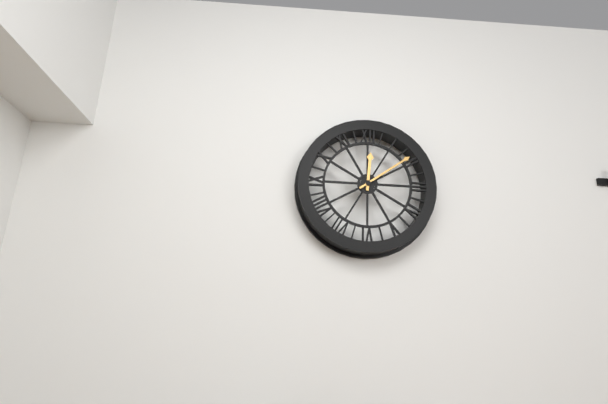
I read 12.09
